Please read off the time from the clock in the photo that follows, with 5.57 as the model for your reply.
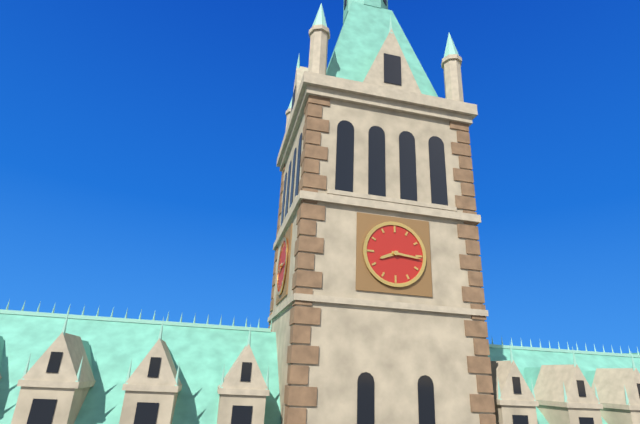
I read 8.16
